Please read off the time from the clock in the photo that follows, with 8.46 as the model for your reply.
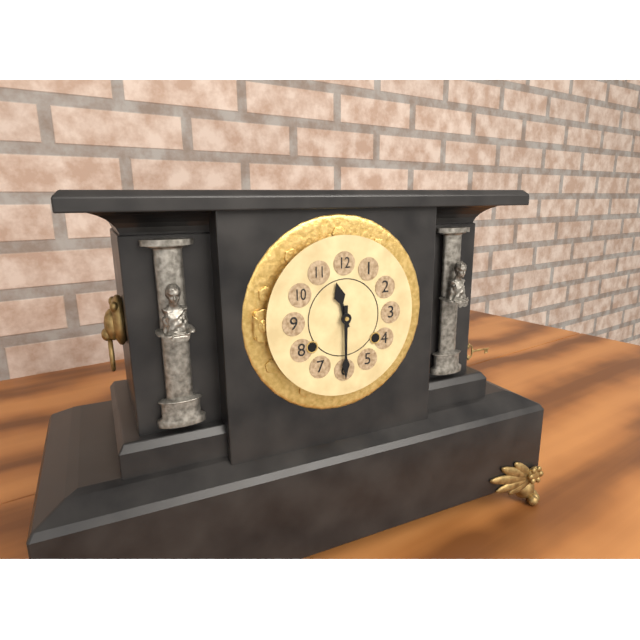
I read 11.30
